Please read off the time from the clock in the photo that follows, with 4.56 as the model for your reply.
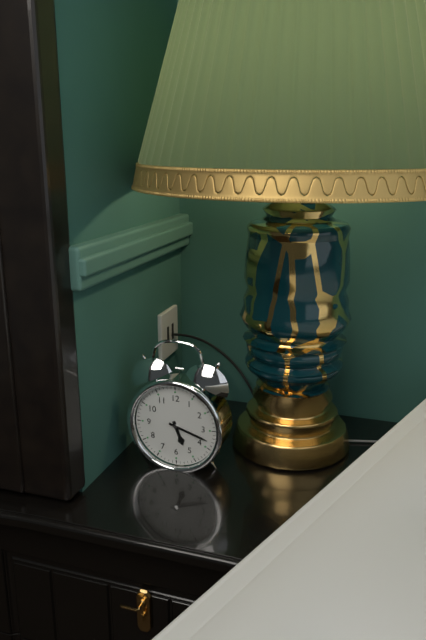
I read 5.18
